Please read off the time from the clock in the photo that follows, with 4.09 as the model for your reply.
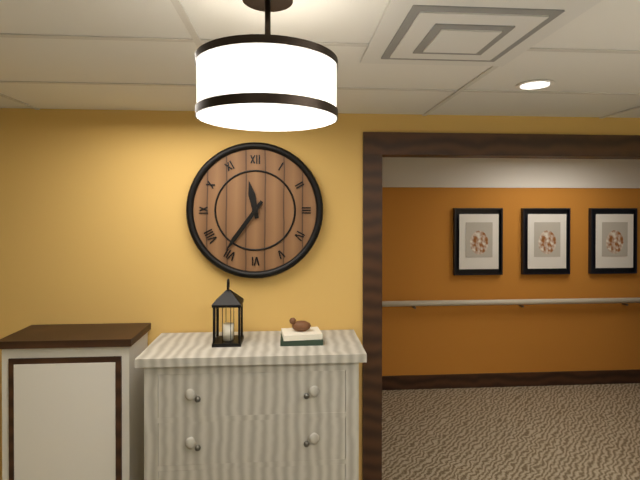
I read 11.36
